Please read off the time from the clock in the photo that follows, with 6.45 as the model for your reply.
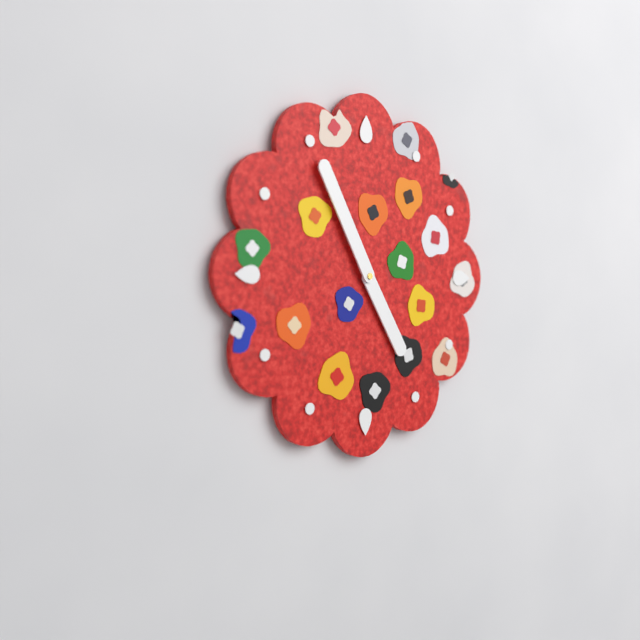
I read 4.55
